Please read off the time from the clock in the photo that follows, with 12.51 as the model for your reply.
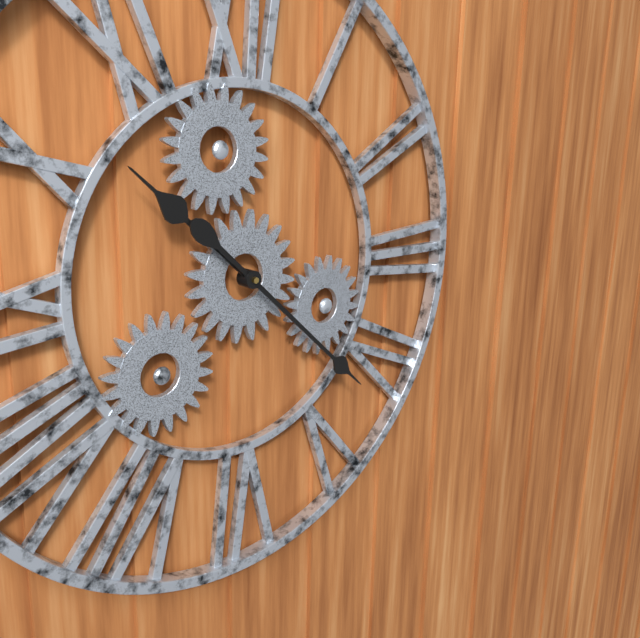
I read 10.22
